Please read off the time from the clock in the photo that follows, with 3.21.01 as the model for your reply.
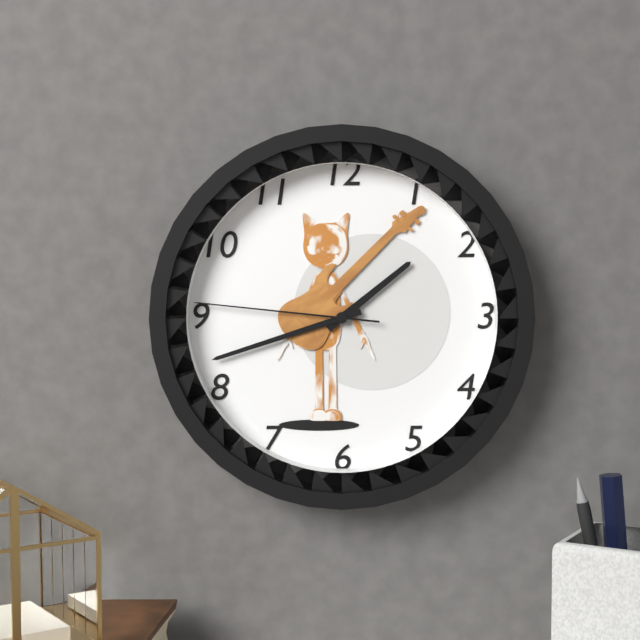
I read 1.42.46
